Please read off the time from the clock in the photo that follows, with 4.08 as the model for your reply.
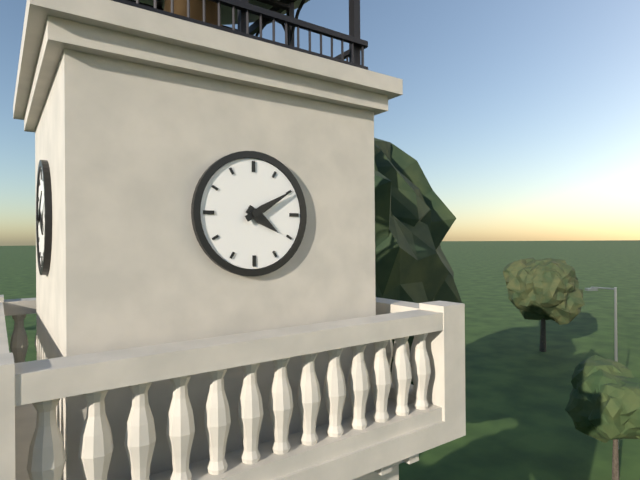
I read 4.10
